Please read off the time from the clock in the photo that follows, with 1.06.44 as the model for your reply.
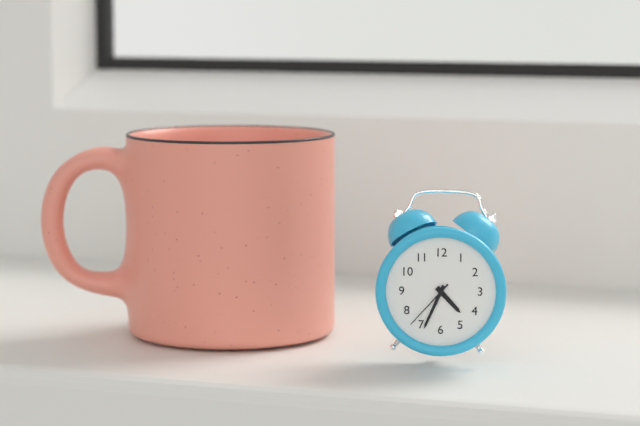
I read 4.34.37
